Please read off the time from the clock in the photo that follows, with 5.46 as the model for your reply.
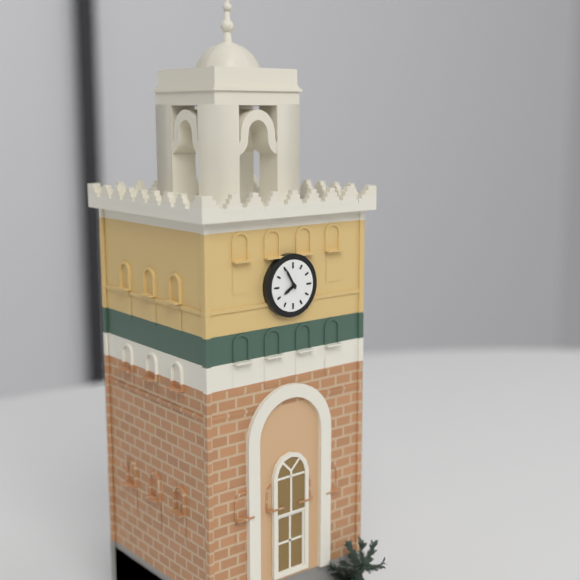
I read 7.55
